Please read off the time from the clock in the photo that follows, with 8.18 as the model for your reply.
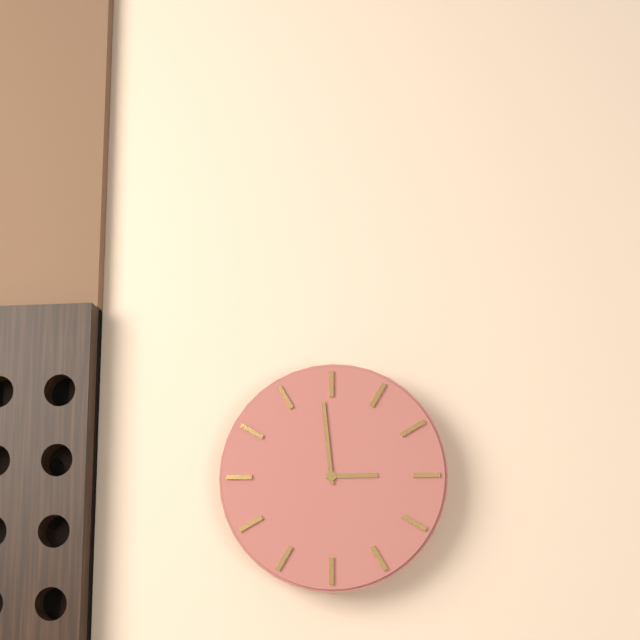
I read 2.59
